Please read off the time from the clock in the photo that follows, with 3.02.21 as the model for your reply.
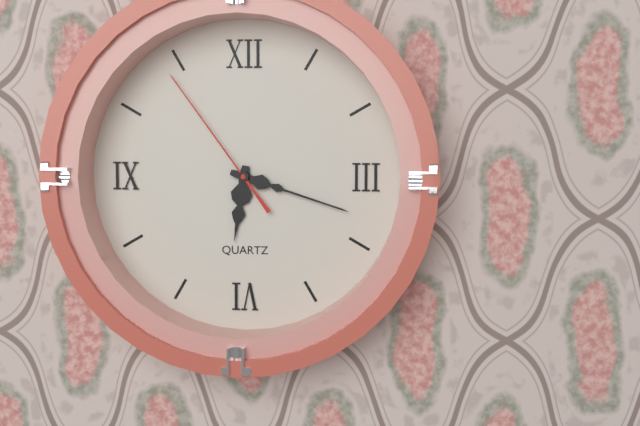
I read 6.18.54
